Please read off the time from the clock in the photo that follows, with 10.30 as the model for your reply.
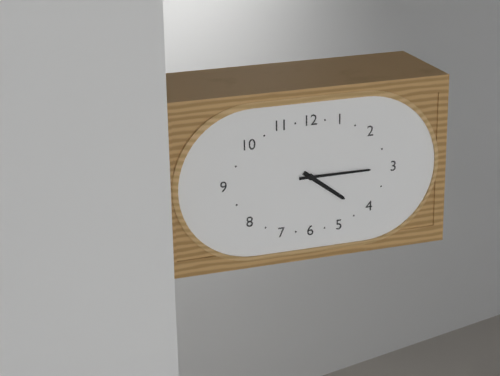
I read 4.15
